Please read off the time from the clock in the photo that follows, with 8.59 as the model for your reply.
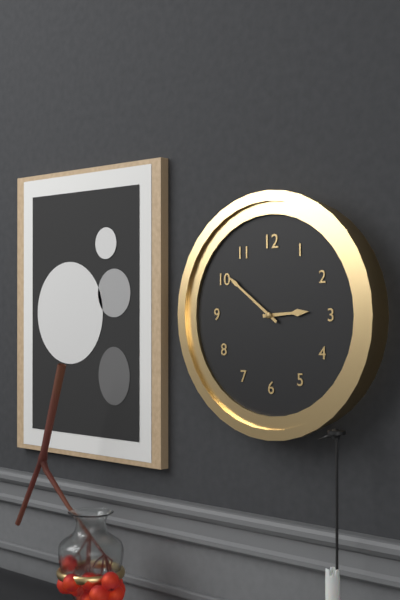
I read 2.51
